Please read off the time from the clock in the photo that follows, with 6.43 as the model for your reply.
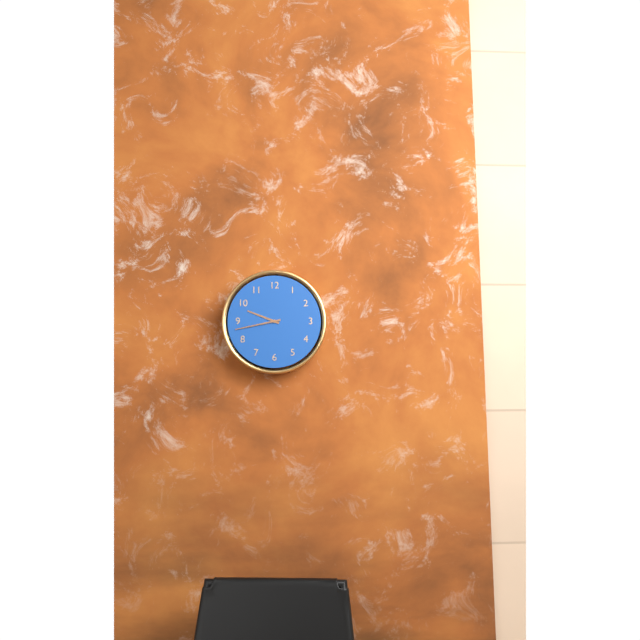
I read 9.43
